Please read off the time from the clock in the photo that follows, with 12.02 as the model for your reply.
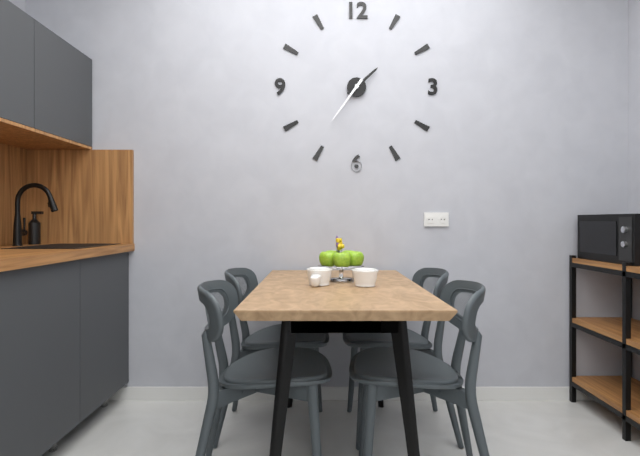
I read 1.36
